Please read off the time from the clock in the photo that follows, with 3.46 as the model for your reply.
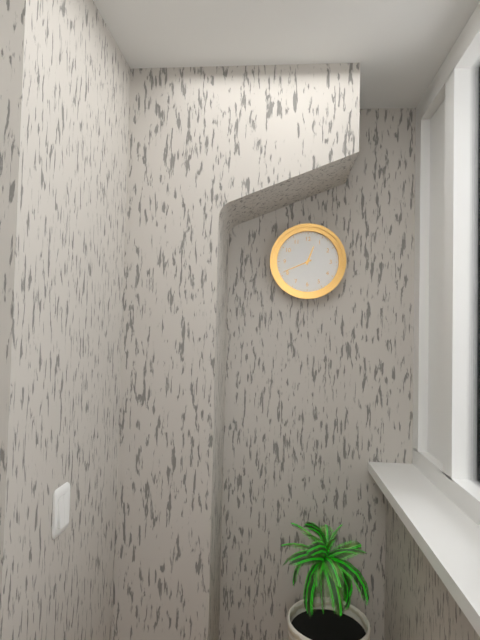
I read 12.41
